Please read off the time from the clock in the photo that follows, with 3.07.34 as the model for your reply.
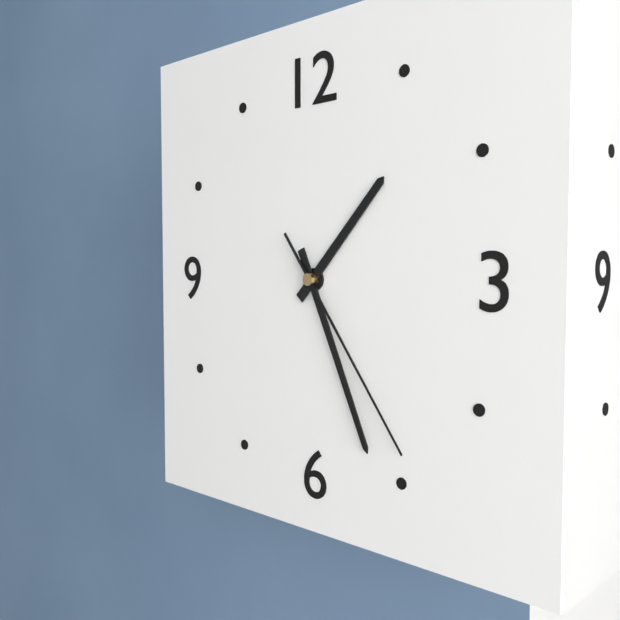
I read 1.26.24
